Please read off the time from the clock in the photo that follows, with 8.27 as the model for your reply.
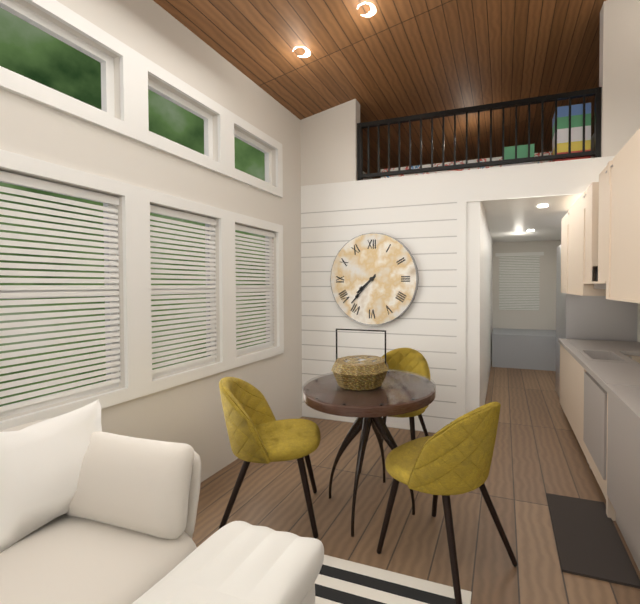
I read 7.37
